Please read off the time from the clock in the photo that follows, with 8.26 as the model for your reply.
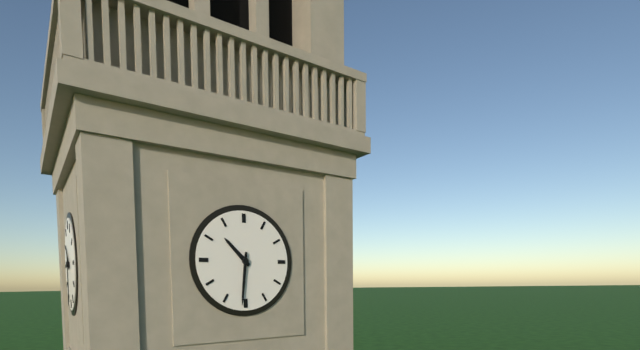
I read 10.31
